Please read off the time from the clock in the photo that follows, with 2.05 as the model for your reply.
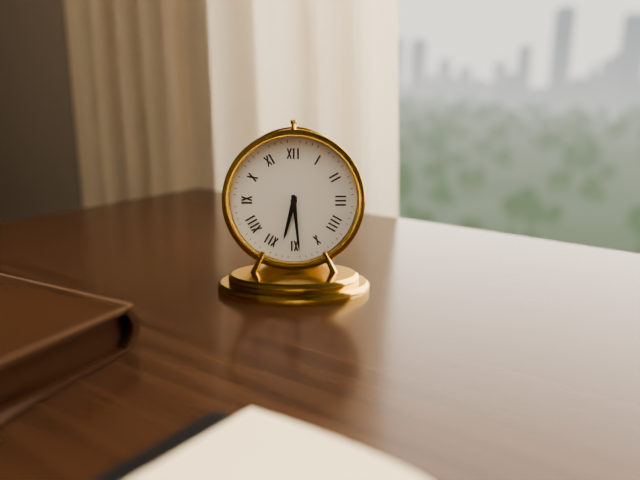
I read 6.29
